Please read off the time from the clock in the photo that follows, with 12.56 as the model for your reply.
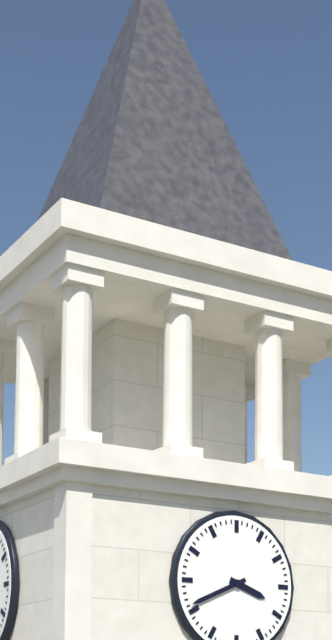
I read 3.41
